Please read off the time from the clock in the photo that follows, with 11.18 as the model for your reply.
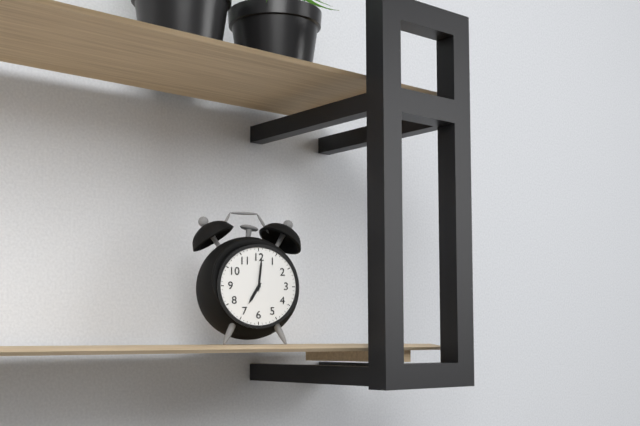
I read 7.01
